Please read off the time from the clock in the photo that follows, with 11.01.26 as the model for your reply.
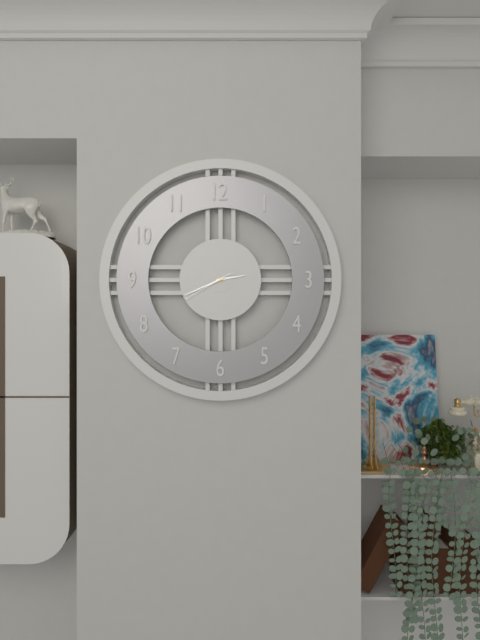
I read 2.41.40
